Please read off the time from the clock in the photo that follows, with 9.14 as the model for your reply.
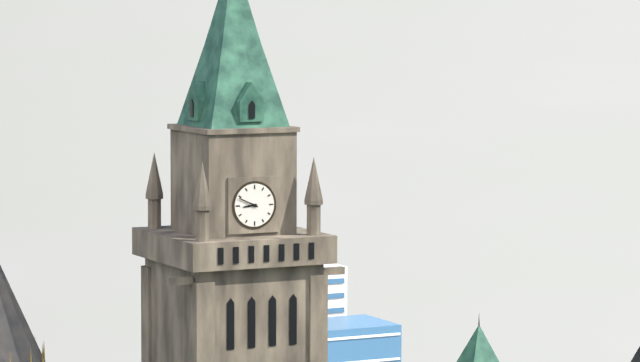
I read 8.49
